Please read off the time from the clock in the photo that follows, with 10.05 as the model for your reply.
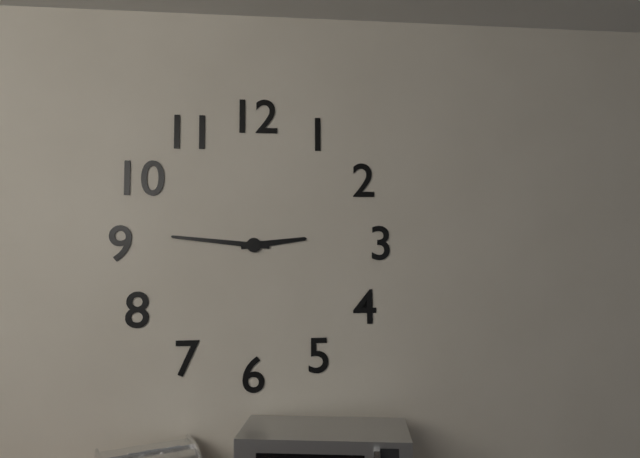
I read 2.46
